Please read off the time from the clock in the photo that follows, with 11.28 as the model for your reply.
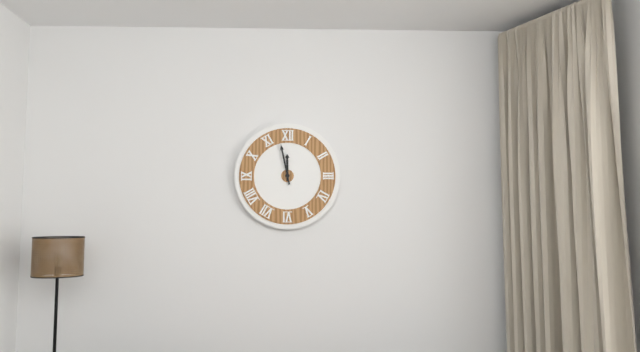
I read 11.58
